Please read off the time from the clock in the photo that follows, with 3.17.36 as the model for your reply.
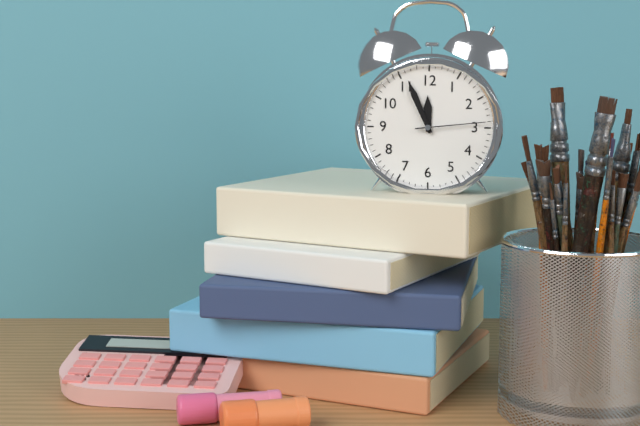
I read 11.56.14
